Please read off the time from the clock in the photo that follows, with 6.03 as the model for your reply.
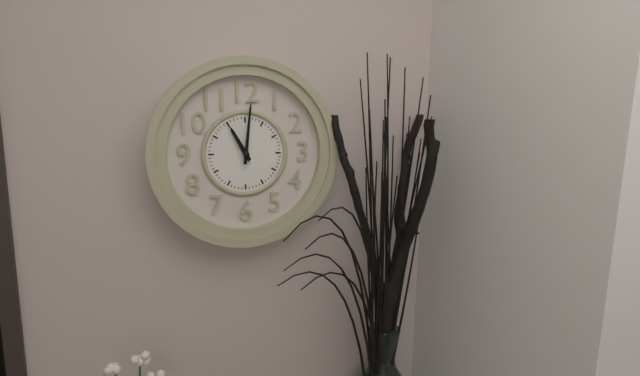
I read 11.01
